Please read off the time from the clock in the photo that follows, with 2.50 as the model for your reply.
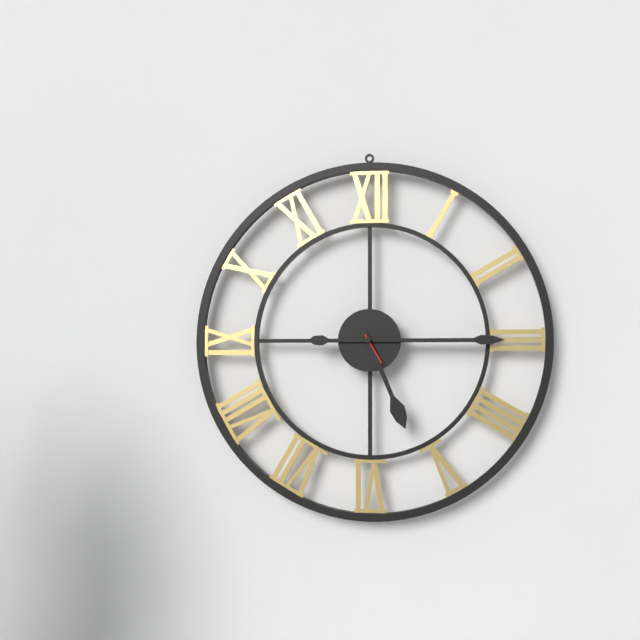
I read 5.15
